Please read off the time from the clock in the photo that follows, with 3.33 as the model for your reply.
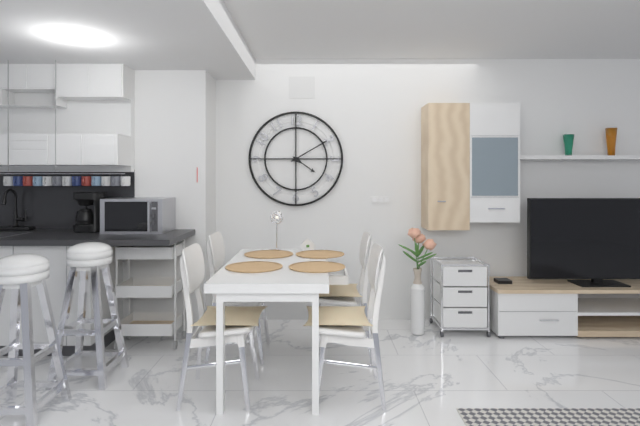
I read 4.10
